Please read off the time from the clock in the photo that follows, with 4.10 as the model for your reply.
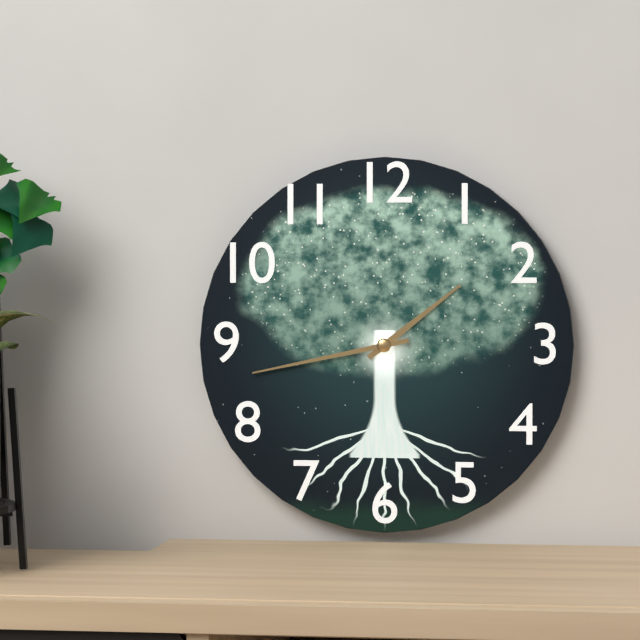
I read 1.43
